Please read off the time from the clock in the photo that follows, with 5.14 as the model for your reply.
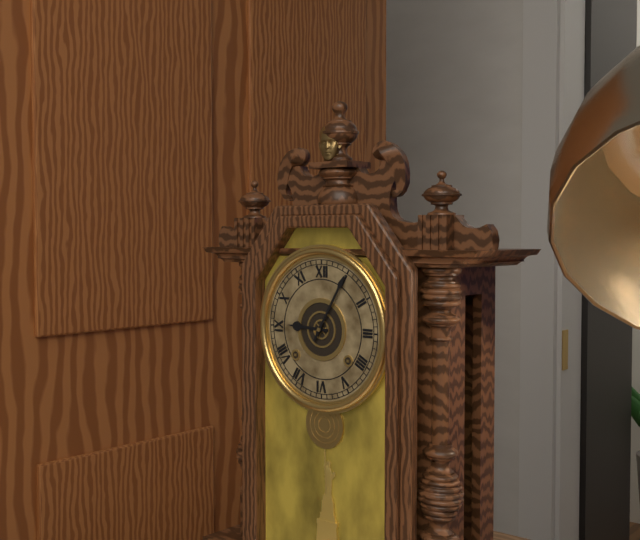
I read 9.05
